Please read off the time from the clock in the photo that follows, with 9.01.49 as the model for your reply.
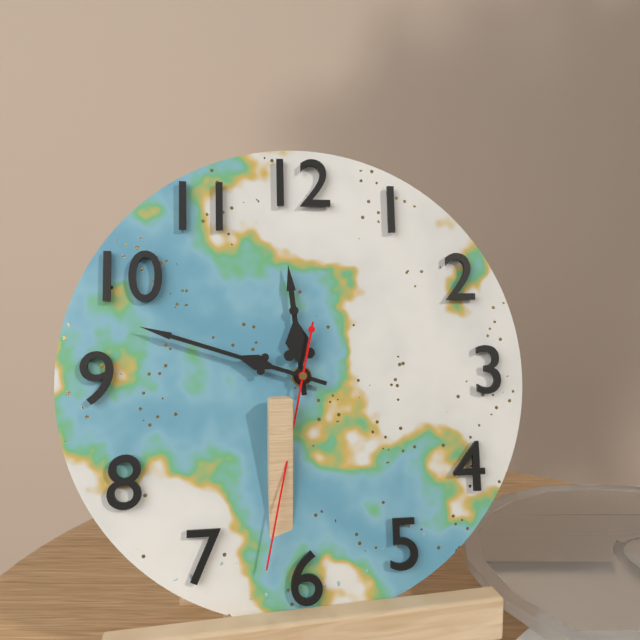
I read 11.48.32
